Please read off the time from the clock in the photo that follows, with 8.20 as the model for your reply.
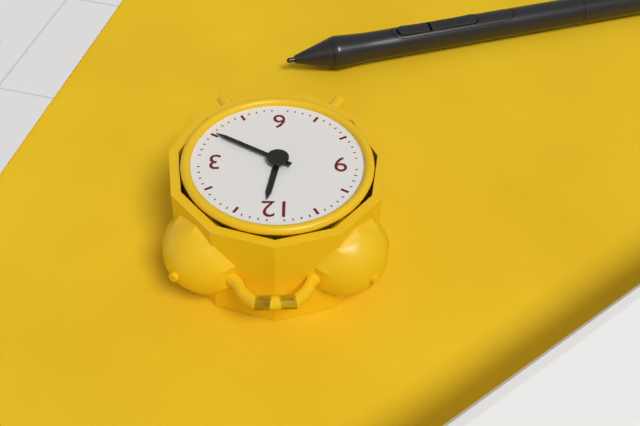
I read 12.20
